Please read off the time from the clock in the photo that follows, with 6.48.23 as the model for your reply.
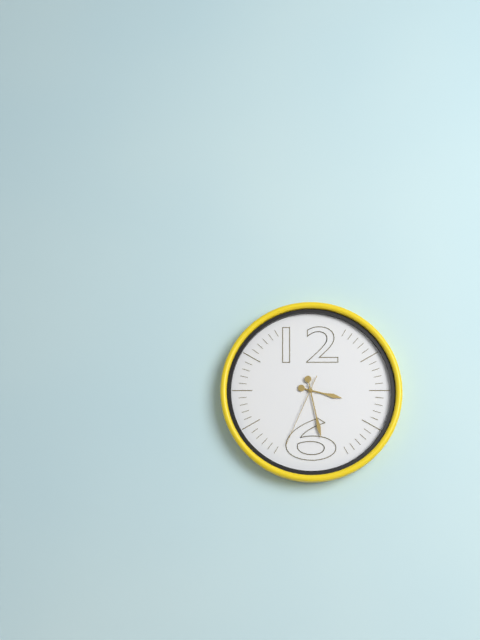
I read 3.28.34
